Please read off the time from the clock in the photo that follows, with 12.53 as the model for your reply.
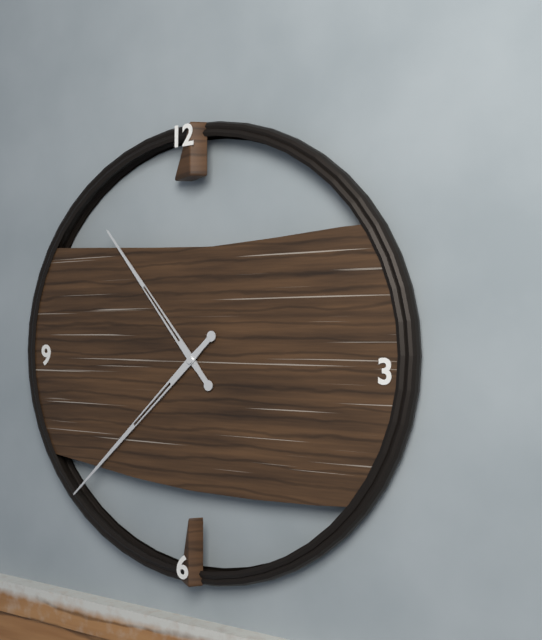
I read 10.38
